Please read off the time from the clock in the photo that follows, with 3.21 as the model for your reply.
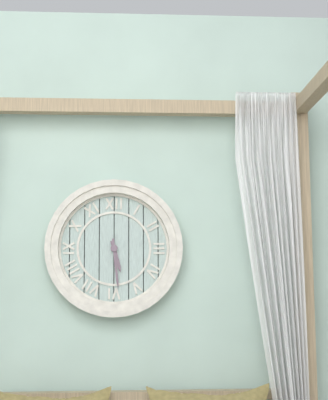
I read 5.29
